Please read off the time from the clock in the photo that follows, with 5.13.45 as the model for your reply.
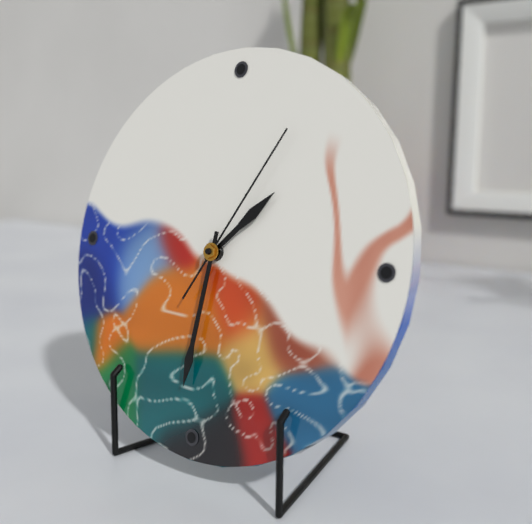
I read 1.31.05
